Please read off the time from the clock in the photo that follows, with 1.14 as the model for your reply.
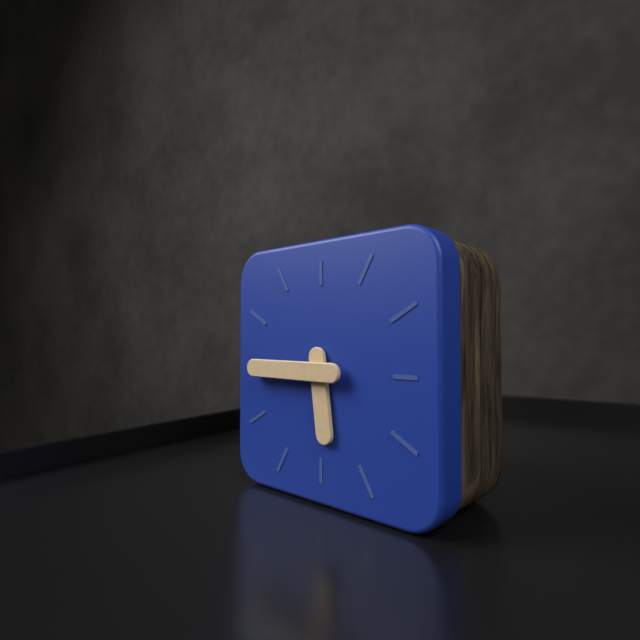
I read 5.45
